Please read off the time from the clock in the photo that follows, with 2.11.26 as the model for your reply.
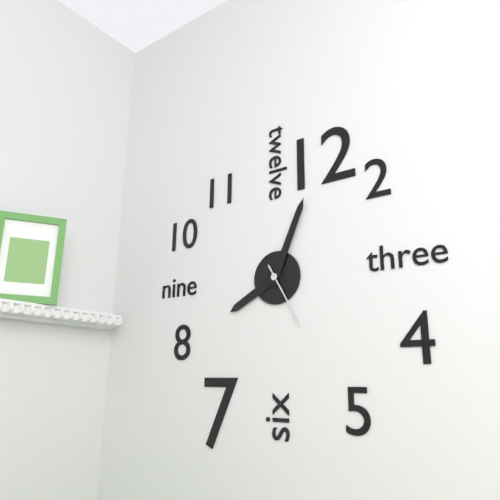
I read 8.04.25
